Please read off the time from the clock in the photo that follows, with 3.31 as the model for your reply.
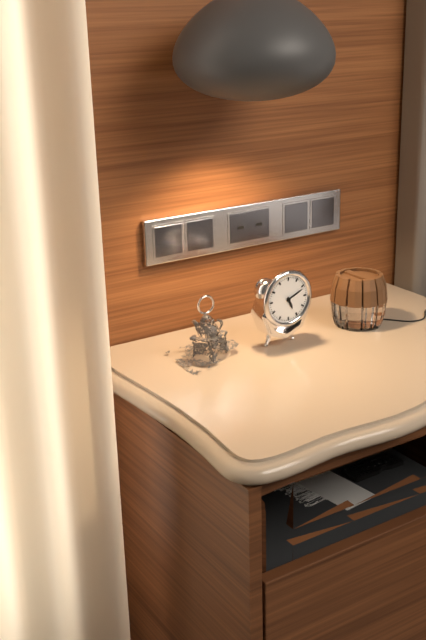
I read 5.11
